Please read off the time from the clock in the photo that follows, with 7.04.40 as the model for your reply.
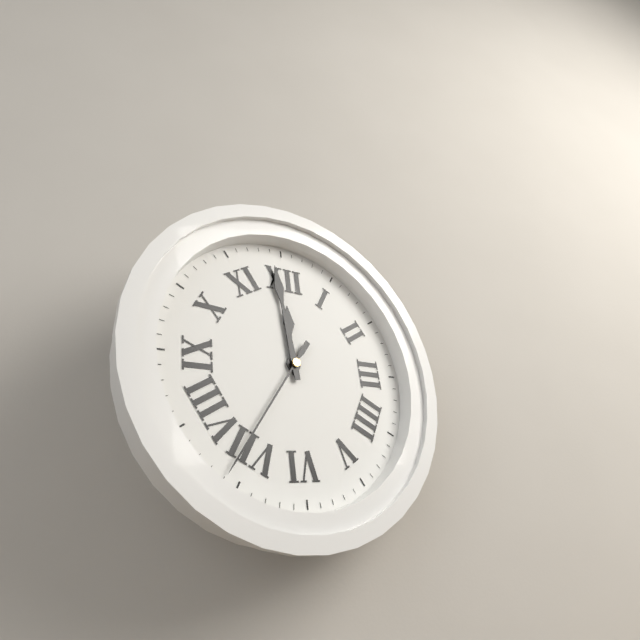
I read 11.59.36
